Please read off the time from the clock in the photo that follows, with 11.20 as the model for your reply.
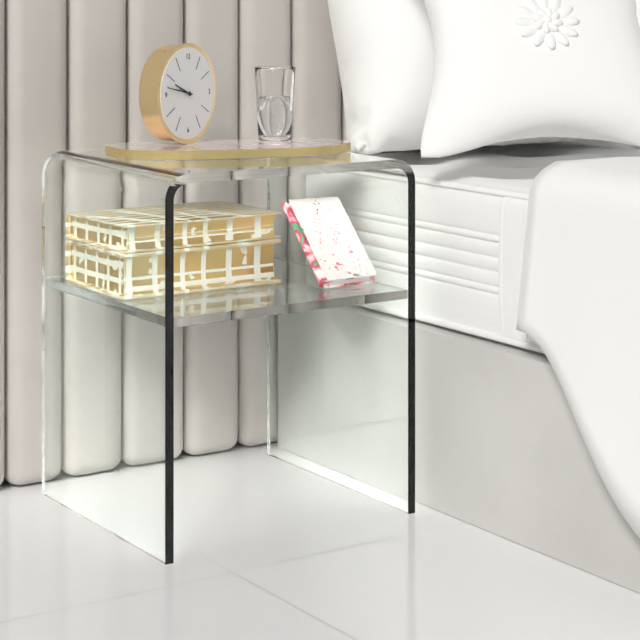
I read 9.47
